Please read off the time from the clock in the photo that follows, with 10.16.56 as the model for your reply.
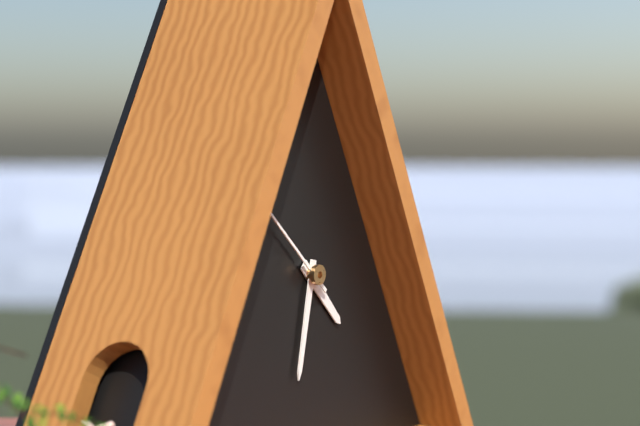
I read 4.32.52
